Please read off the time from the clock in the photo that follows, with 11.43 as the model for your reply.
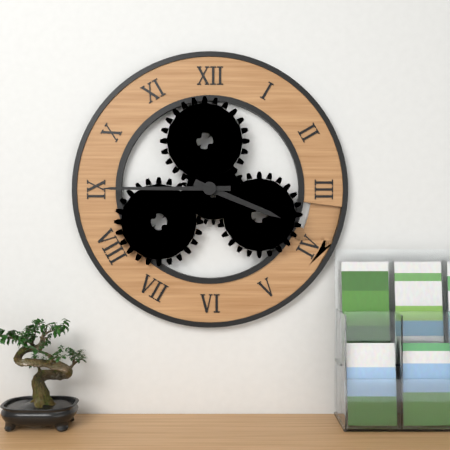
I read 3.45
